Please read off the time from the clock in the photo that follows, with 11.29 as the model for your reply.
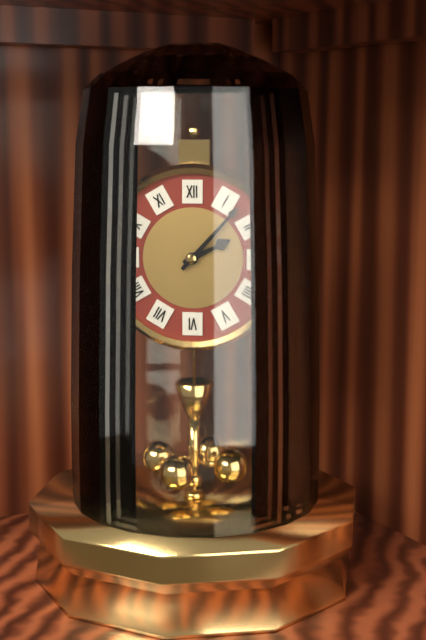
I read 2.07
